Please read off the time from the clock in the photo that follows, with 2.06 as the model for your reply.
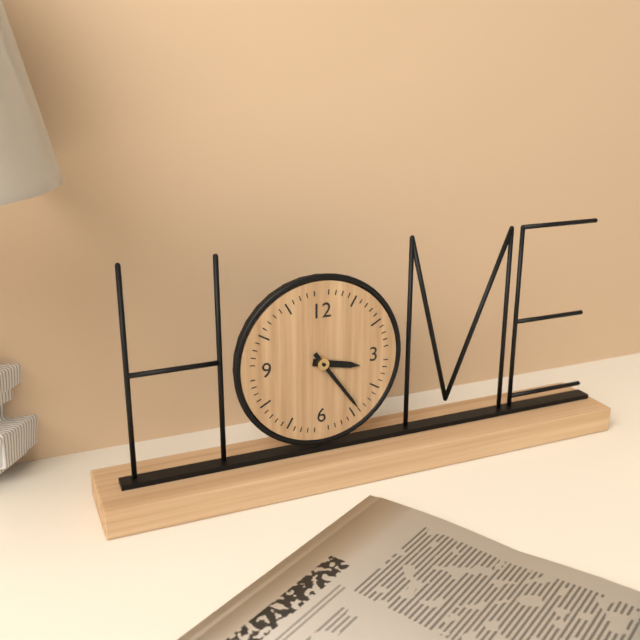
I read 3.24
